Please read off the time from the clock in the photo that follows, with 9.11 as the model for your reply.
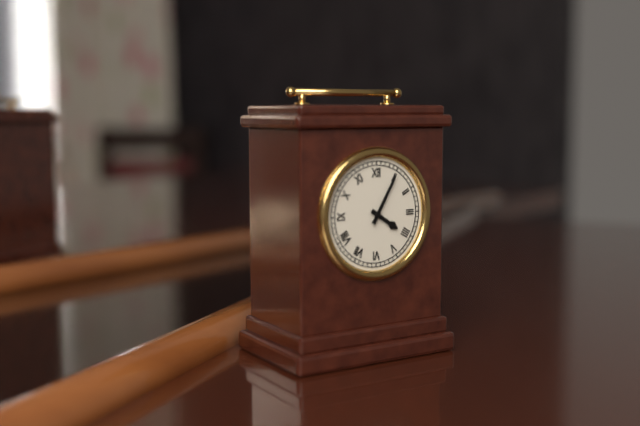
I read 4.05
